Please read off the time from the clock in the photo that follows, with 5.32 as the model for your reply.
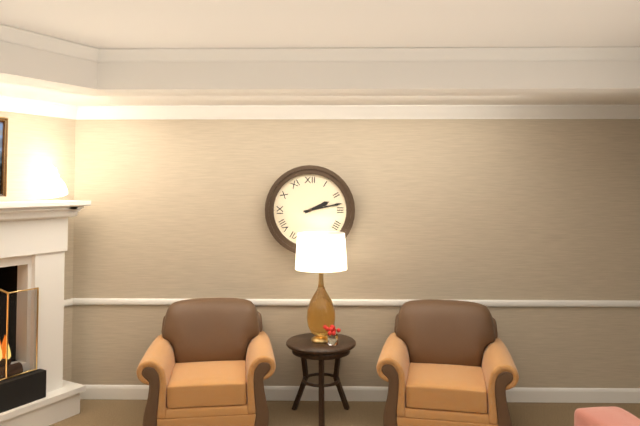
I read 2.13
